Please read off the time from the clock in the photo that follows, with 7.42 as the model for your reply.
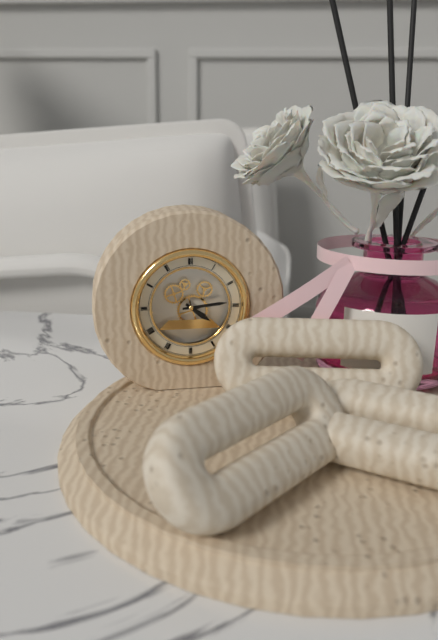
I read 4.14
